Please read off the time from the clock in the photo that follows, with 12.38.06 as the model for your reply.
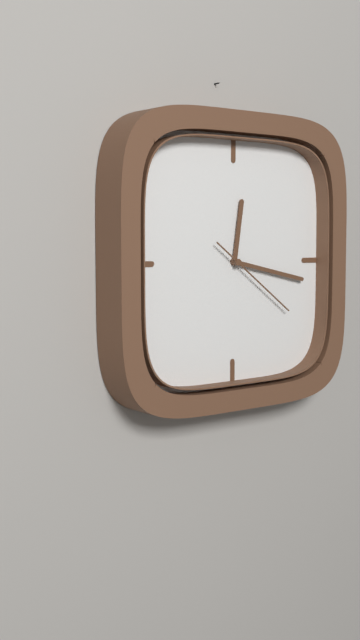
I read 12.17.21
